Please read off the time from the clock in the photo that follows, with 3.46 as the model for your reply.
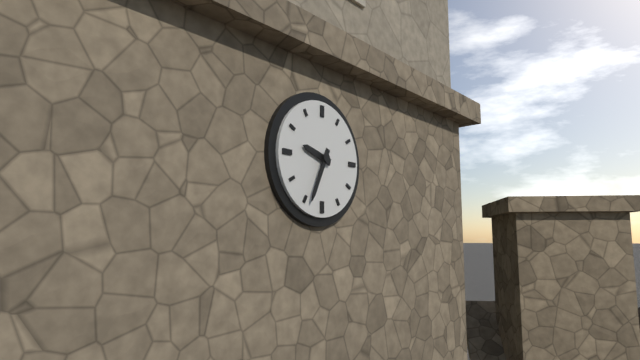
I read 9.34
